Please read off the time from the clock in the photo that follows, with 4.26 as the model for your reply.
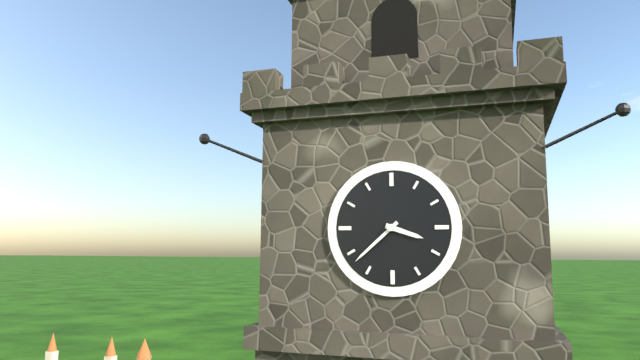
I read 3.38
